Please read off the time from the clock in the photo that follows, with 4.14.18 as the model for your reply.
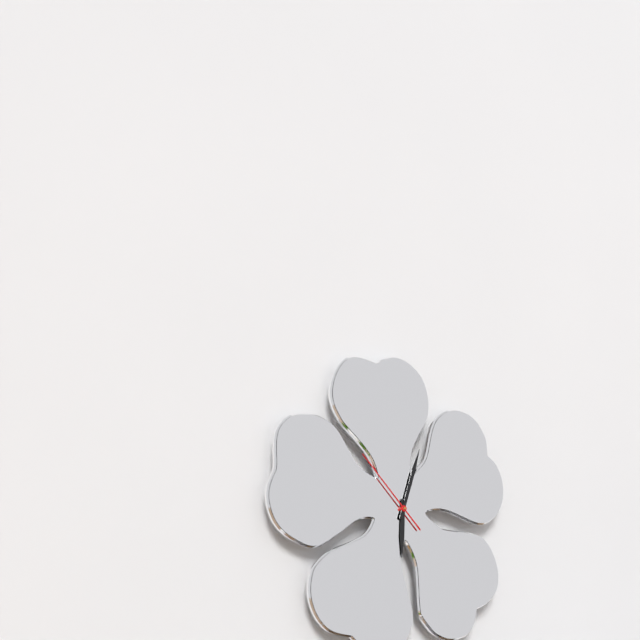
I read 6.03.52
